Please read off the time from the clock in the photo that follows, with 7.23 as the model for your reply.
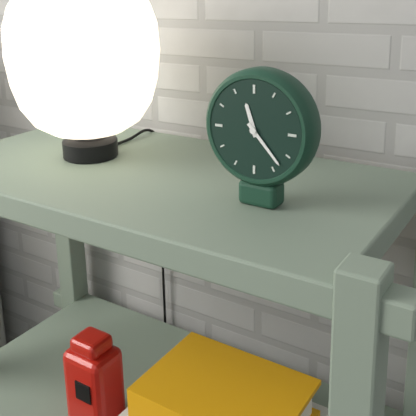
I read 11.23
